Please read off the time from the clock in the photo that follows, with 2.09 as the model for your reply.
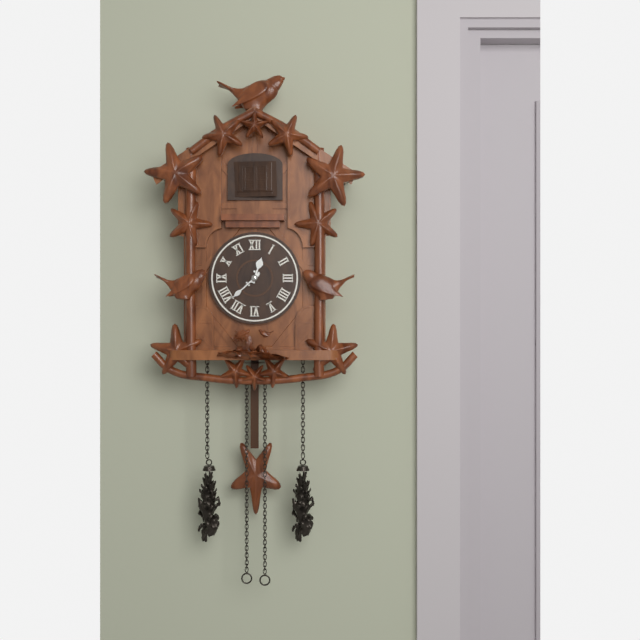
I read 12.38
